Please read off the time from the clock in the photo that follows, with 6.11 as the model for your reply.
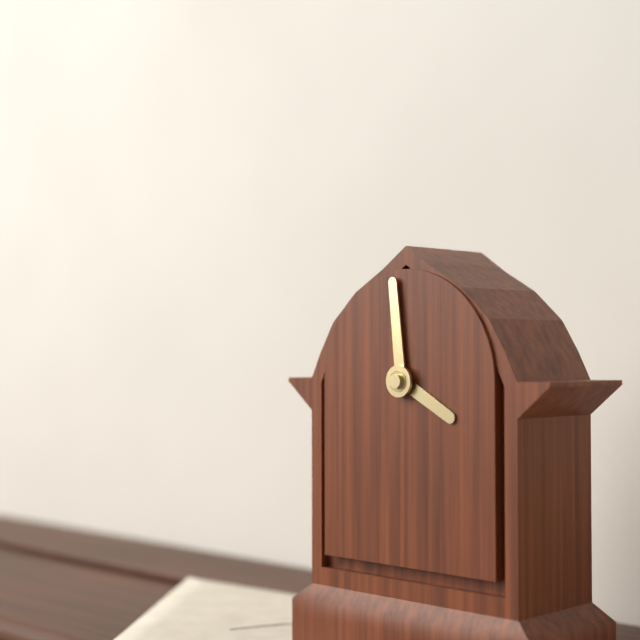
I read 3.59
